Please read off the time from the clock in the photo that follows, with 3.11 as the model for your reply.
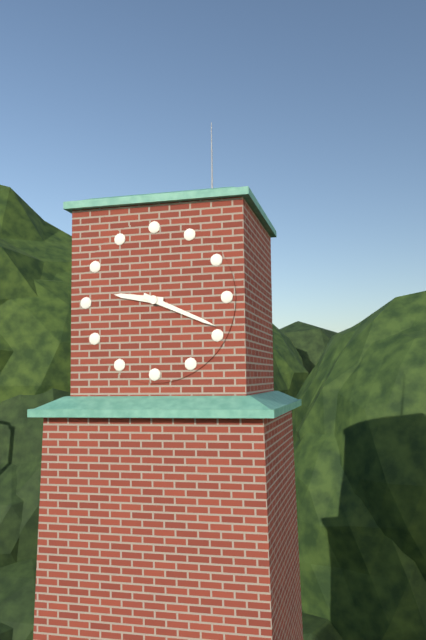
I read 9.19
